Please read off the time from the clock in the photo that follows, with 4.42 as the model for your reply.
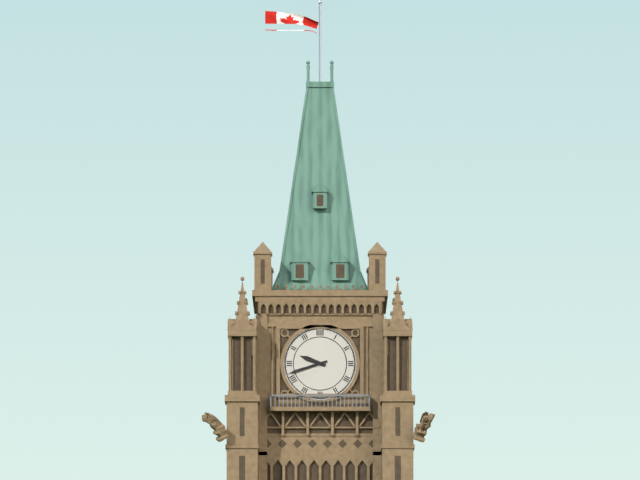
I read 9.42
